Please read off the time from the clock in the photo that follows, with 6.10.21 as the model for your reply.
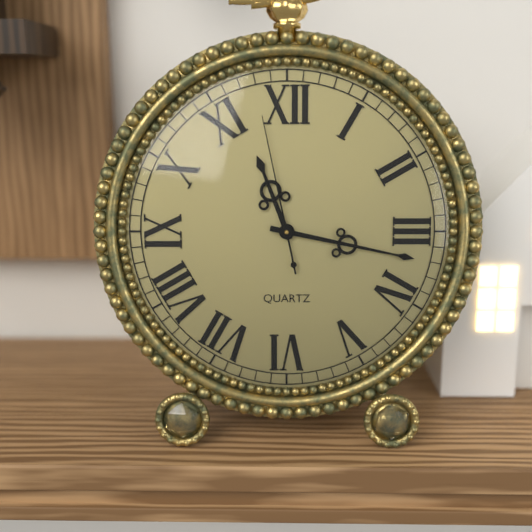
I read 11.17.58
